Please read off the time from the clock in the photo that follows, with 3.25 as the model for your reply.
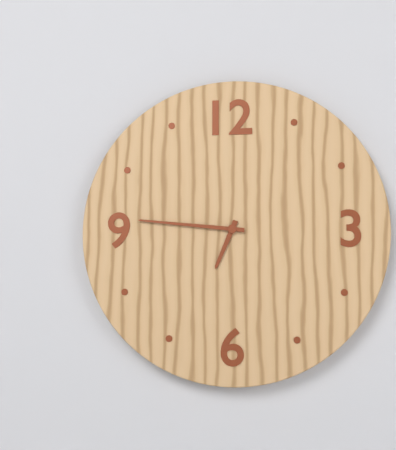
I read 6.46
